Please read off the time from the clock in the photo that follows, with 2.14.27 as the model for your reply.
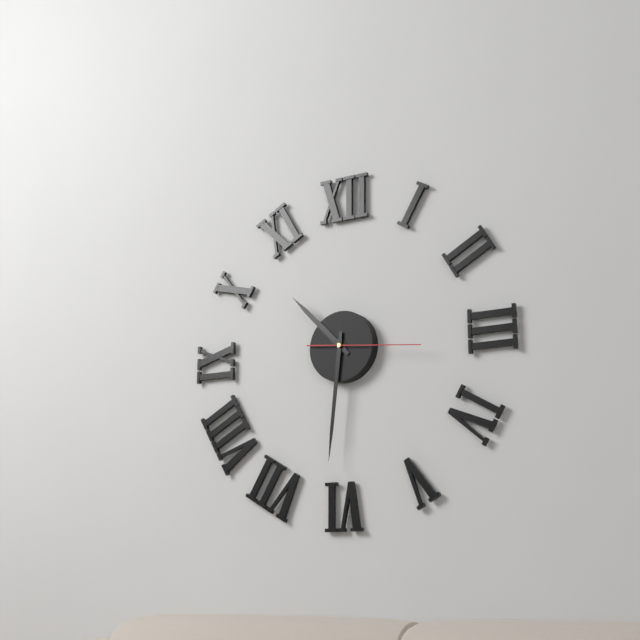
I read 10.31.16
